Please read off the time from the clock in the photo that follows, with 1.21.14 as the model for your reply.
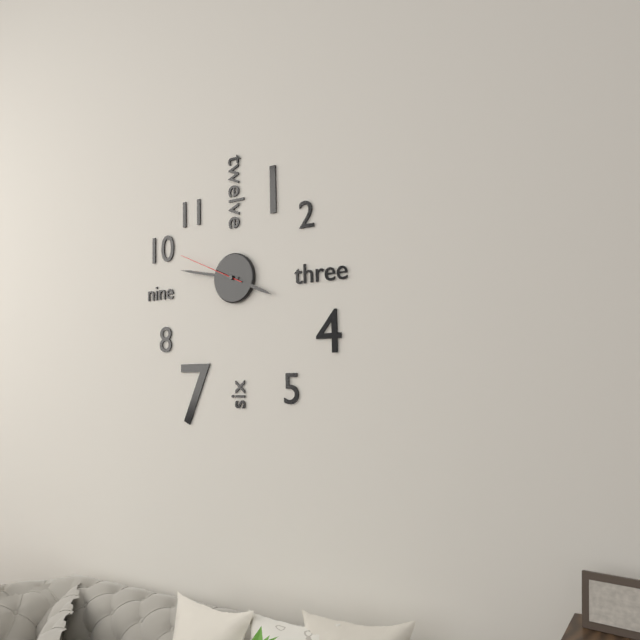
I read 3.47.49
